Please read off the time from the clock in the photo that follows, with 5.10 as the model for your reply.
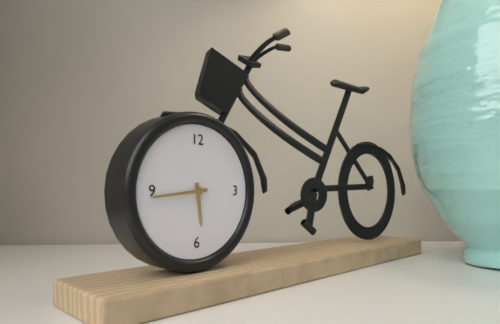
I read 5.44
